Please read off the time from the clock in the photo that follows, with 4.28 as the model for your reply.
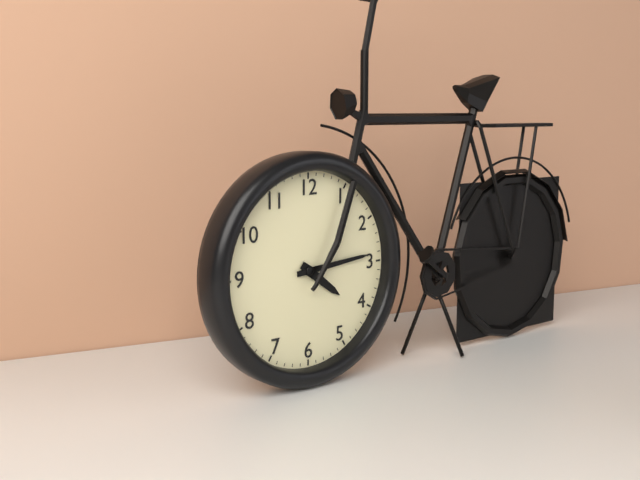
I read 4.14
